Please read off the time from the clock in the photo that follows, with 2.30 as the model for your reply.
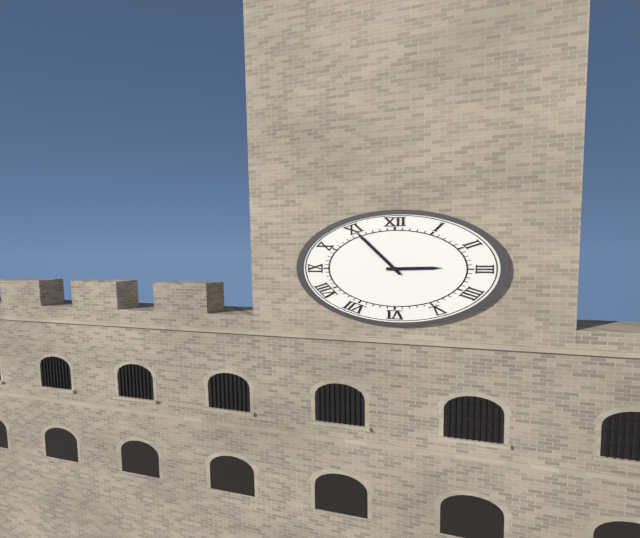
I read 2.55
